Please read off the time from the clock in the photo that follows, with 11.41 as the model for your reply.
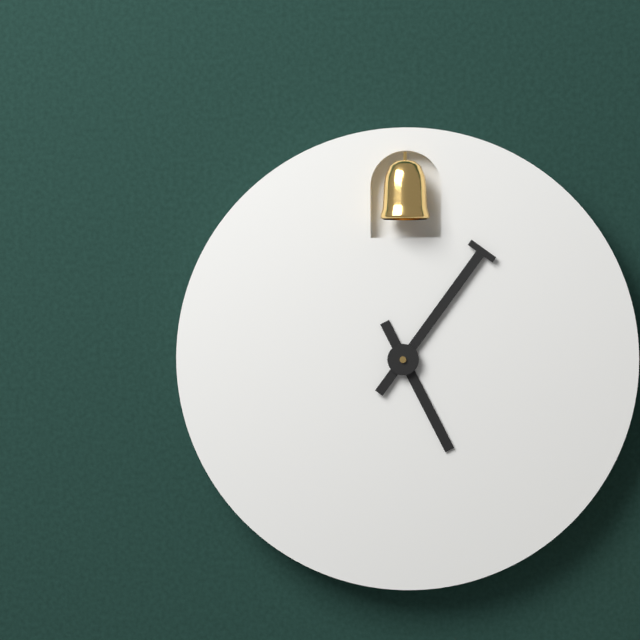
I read 5.06
